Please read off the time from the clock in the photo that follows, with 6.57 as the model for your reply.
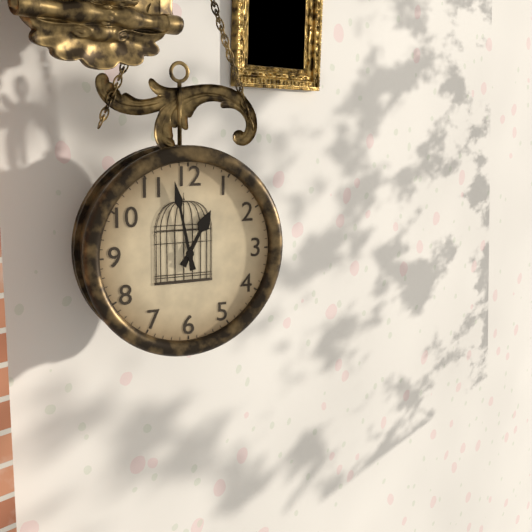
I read 12.58
